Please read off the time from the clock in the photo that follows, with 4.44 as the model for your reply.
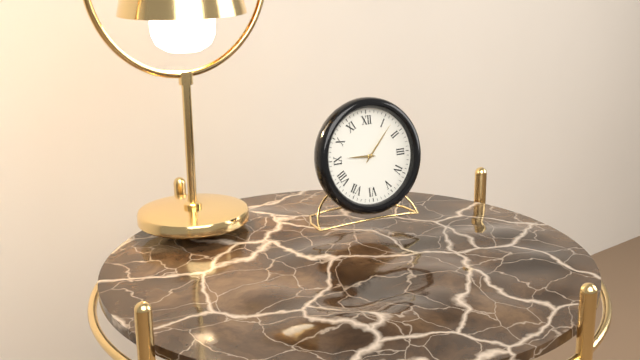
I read 9.07
